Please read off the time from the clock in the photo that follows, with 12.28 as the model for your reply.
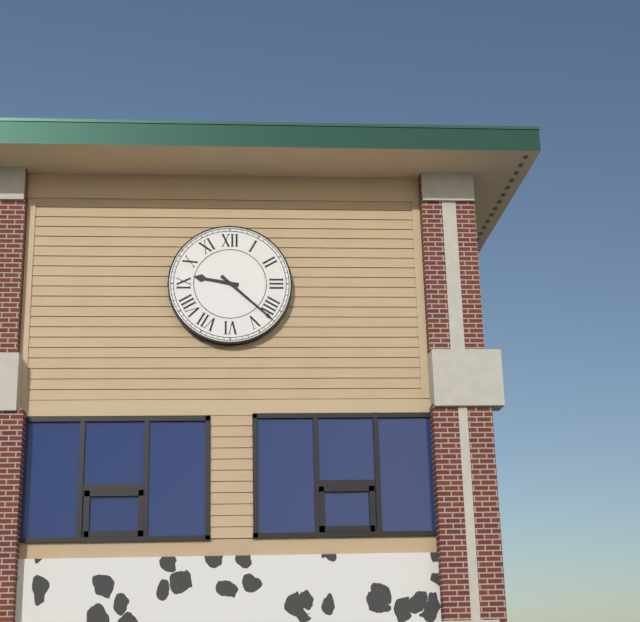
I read 9.22
